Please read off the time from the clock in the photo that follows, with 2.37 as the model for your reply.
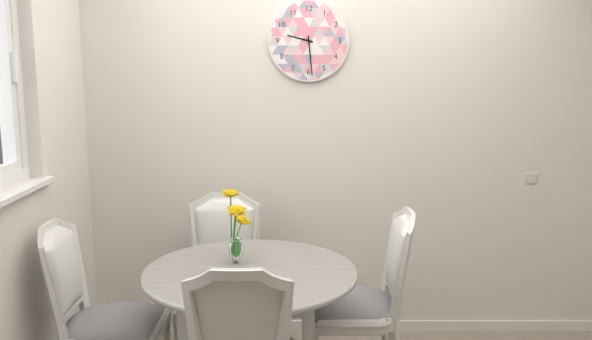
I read 9.29
